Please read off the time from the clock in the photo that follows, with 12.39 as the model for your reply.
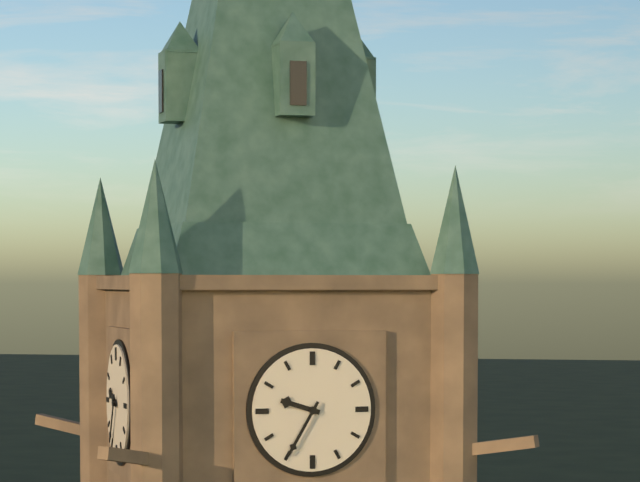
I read 9.35
